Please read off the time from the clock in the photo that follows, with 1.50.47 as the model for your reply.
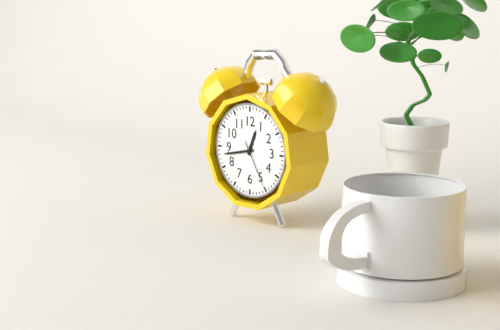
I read 12.43.25
